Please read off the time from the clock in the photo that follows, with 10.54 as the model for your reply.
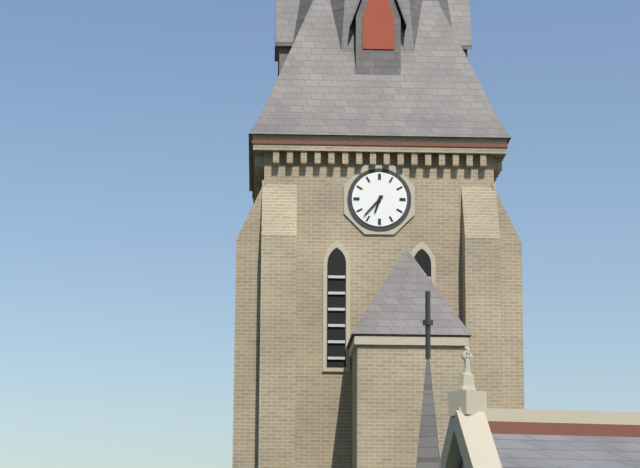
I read 6.37
